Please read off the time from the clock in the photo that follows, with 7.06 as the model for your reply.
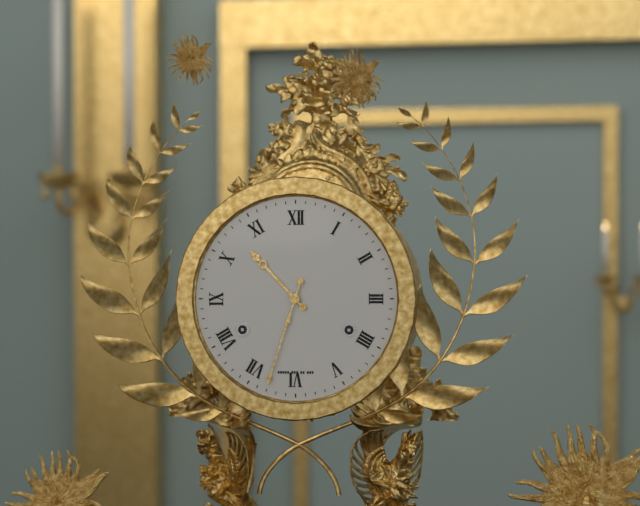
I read 10.33
